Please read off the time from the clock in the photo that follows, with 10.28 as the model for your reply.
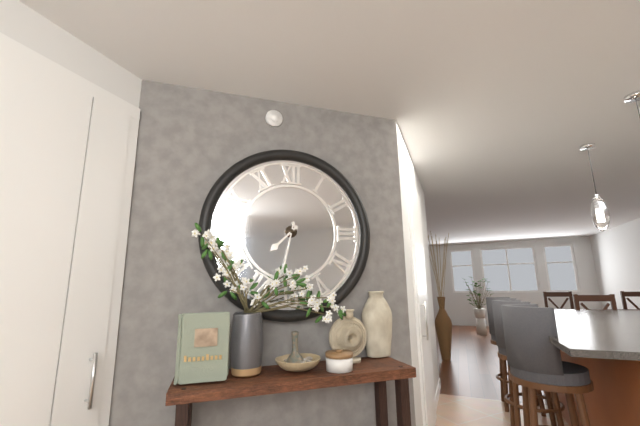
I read 7.32
